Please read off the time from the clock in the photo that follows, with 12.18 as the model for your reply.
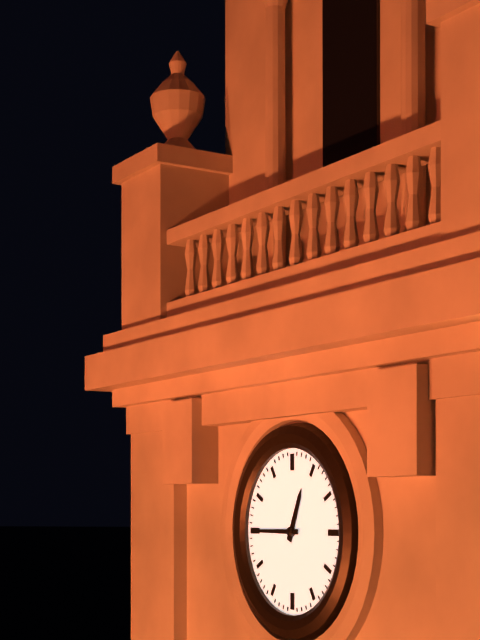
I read 12.45
